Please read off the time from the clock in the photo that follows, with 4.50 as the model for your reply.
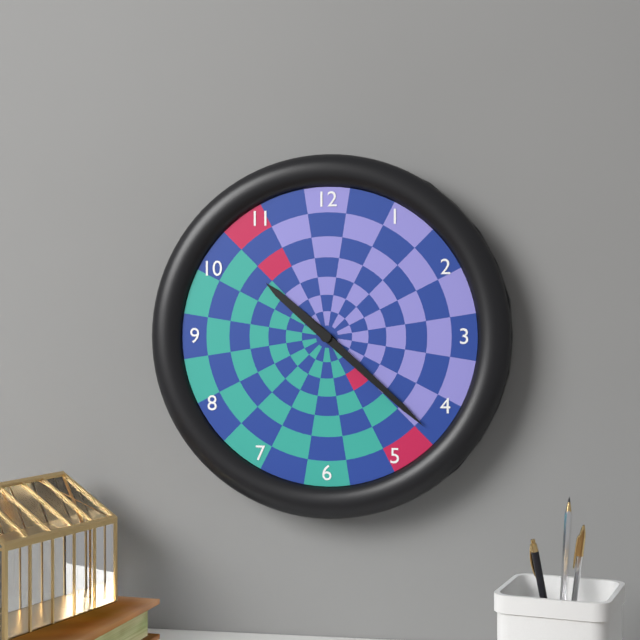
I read 10.22
